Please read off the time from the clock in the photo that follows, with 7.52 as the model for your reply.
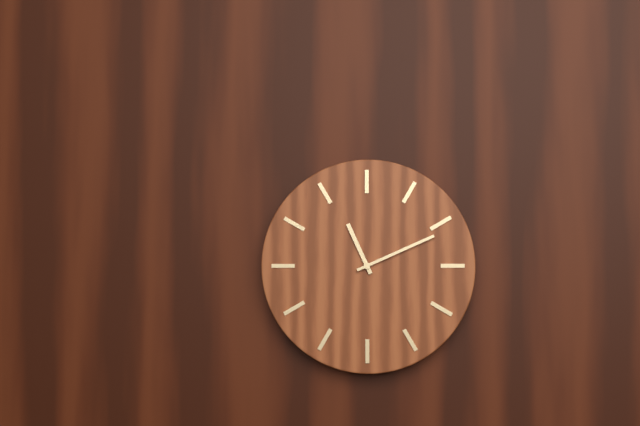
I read 11.11
